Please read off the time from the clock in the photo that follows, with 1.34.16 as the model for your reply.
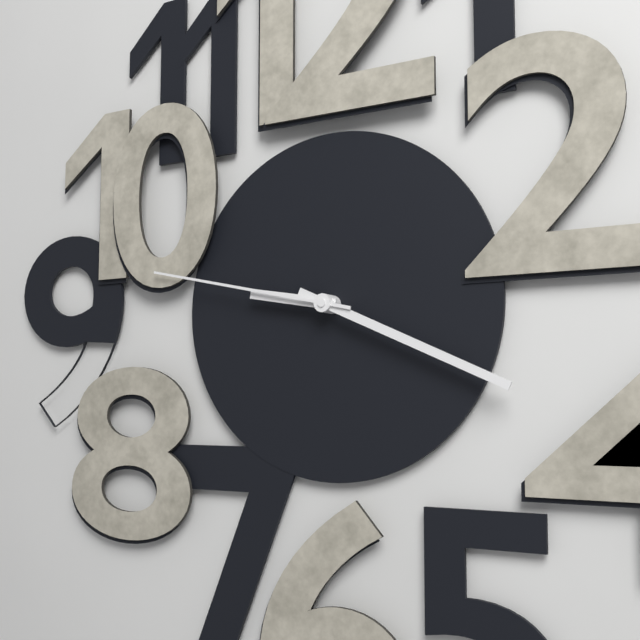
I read 9.19.47
